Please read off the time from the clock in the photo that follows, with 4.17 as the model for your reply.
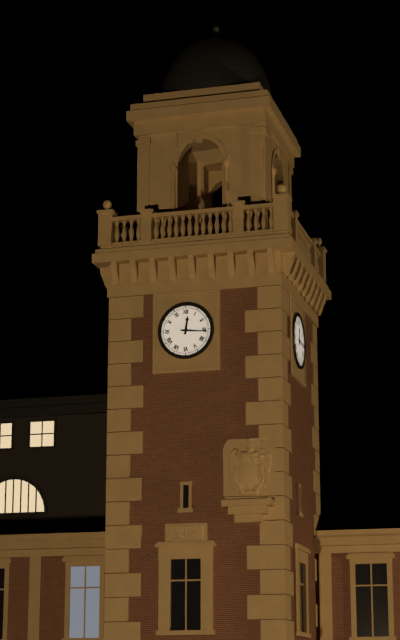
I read 12.16
